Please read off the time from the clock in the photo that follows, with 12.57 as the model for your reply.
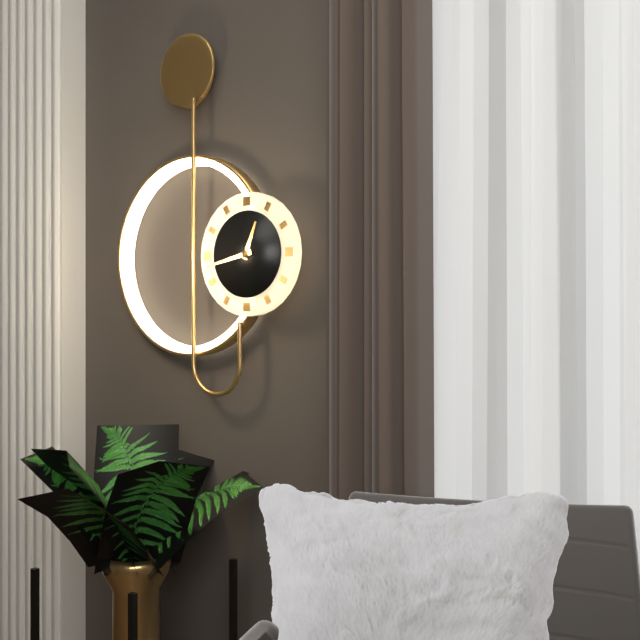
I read 12.43
